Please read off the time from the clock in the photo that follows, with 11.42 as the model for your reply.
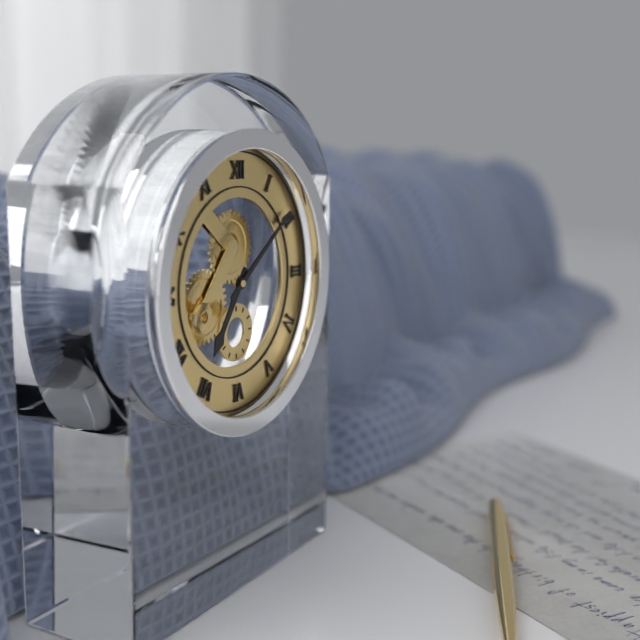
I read 7.09
